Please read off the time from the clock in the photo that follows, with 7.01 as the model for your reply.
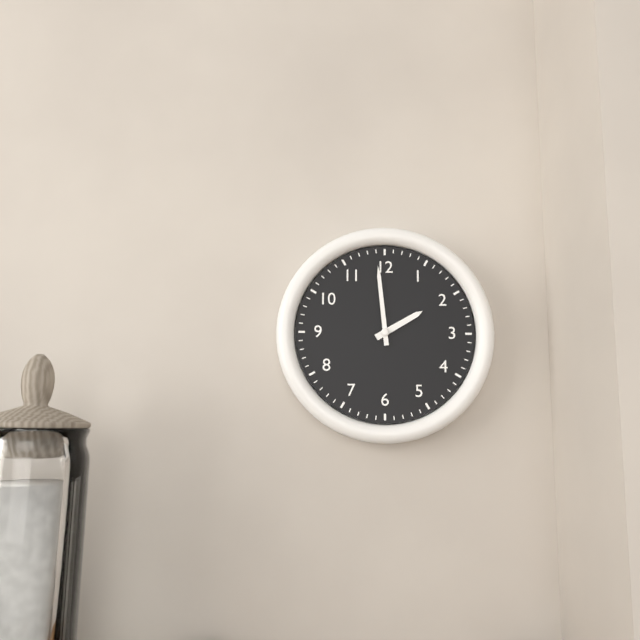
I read 1.59
